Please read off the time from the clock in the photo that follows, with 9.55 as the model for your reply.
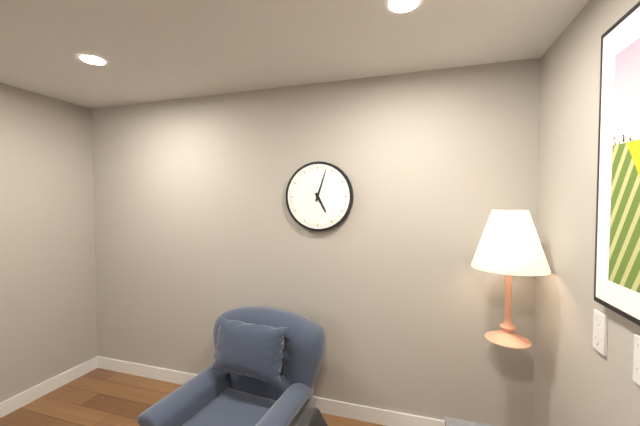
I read 5.03
